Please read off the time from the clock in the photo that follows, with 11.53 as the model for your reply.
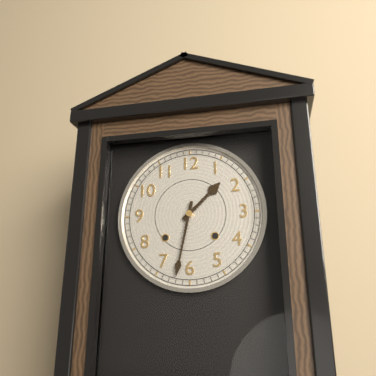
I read 1.32
